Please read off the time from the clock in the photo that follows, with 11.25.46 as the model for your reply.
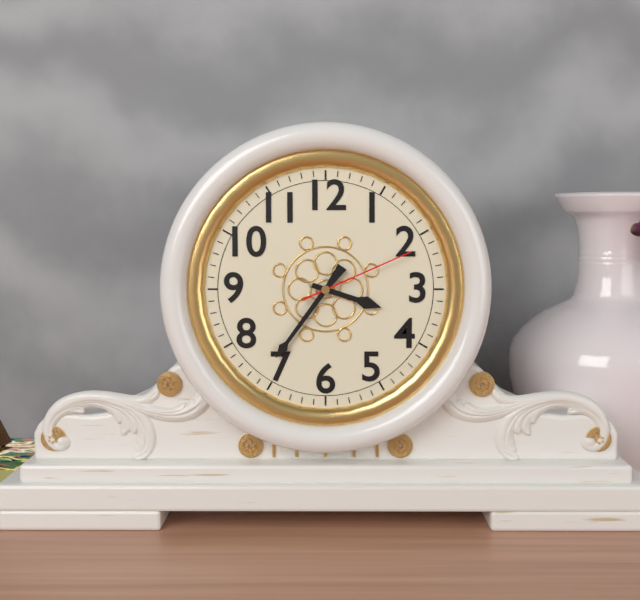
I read 3.36.11
